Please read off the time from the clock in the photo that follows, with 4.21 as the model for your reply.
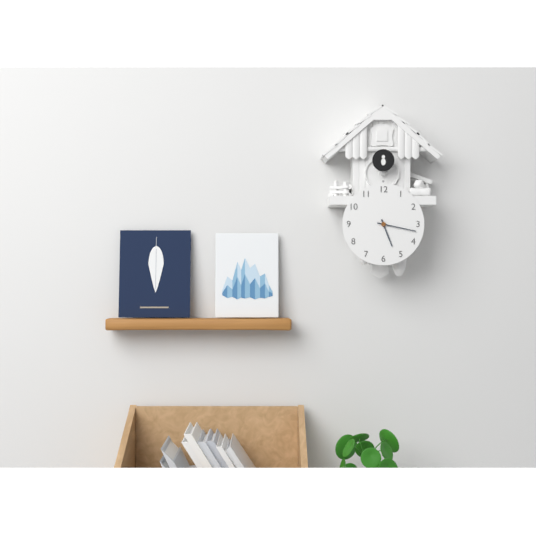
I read 5.17
